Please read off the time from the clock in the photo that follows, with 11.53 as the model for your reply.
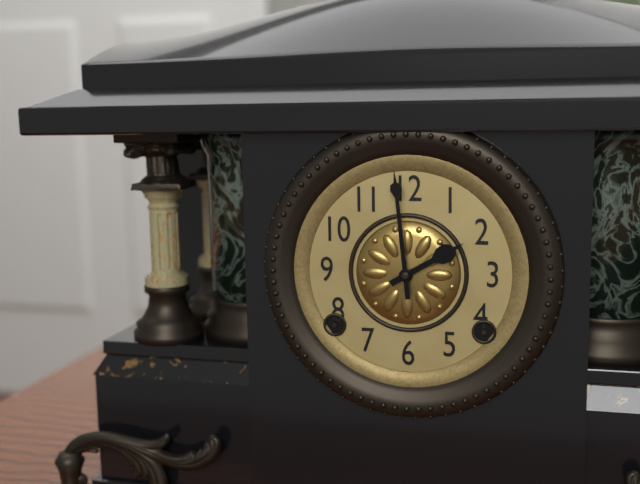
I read 1.59
